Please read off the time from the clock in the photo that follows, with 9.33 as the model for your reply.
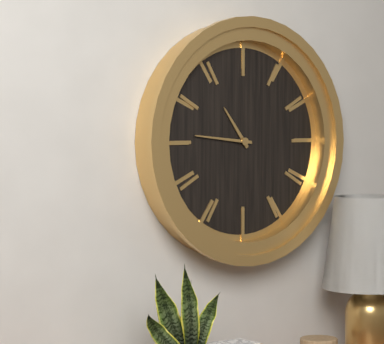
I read 10.46
